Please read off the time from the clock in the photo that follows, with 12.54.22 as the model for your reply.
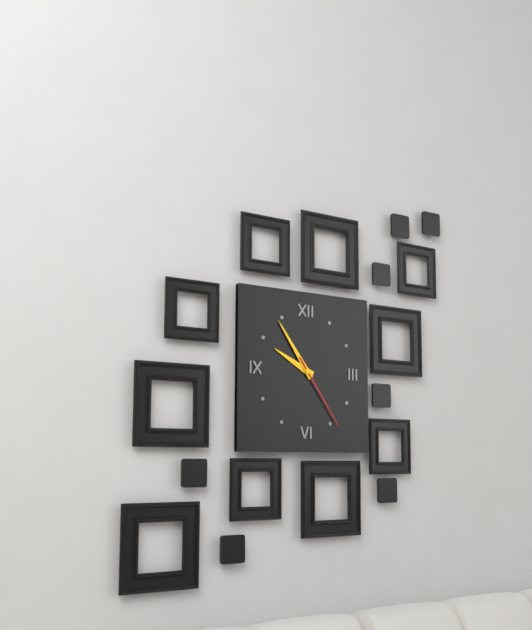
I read 9.54.24
